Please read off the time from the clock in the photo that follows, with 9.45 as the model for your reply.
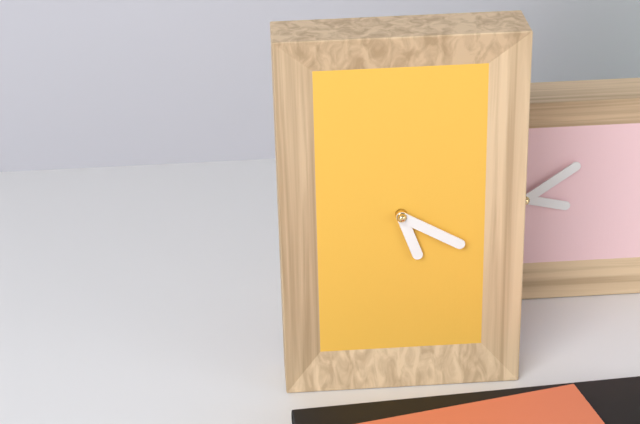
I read 5.20
